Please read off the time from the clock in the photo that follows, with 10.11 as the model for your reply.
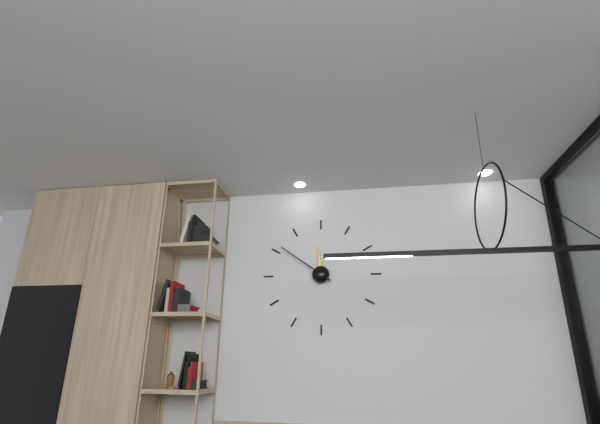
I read 11.51
